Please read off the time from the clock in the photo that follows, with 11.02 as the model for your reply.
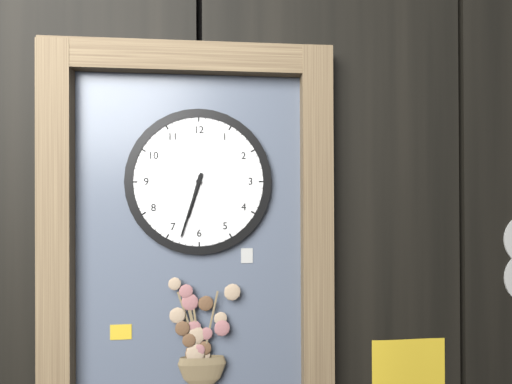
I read 6.33
